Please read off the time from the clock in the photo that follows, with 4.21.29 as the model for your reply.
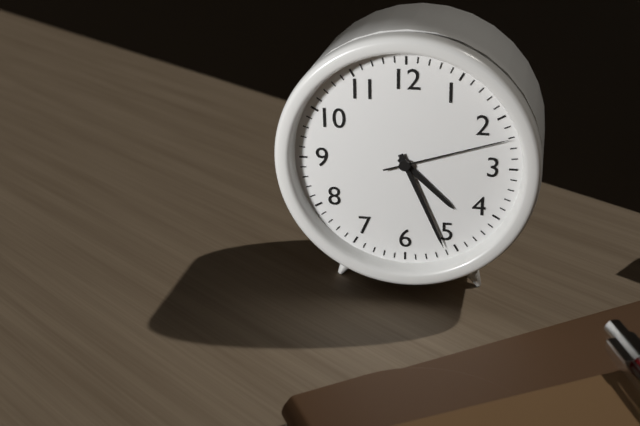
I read 4.26.12
